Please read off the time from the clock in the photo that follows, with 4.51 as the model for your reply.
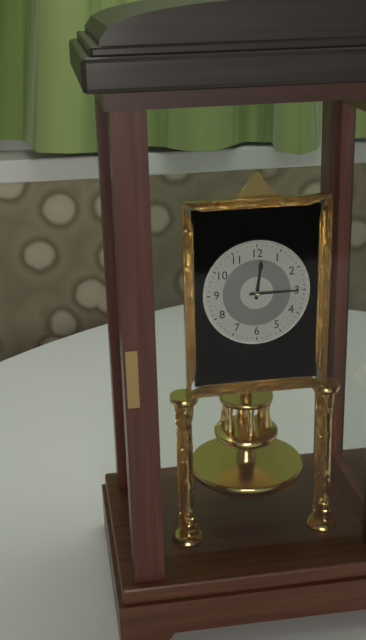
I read 12.15
